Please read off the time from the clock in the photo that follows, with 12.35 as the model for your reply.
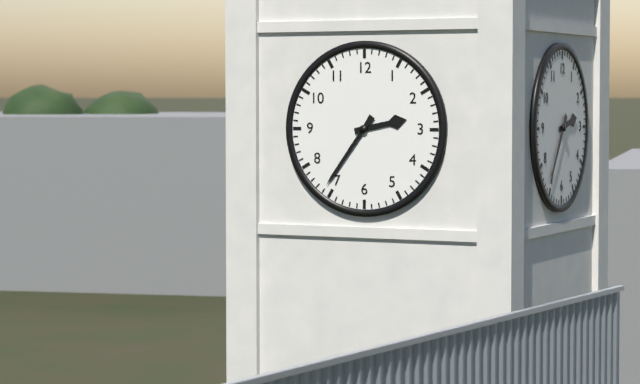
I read 2.36
